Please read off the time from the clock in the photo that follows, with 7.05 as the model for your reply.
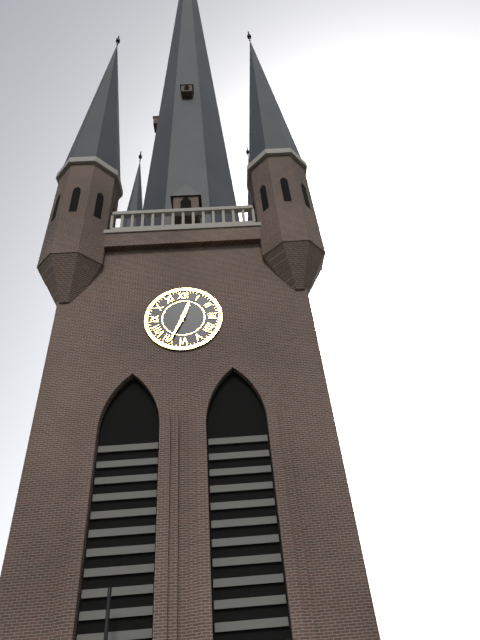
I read 12.34
